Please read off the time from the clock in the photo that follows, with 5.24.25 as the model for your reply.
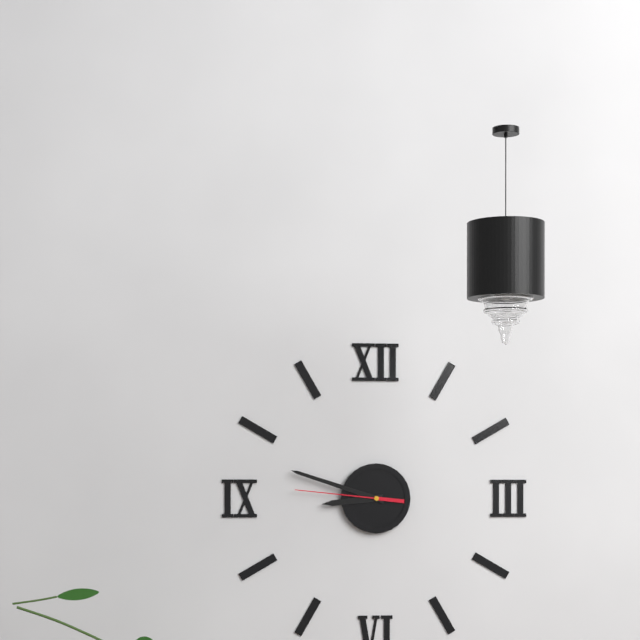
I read 8.48.46
